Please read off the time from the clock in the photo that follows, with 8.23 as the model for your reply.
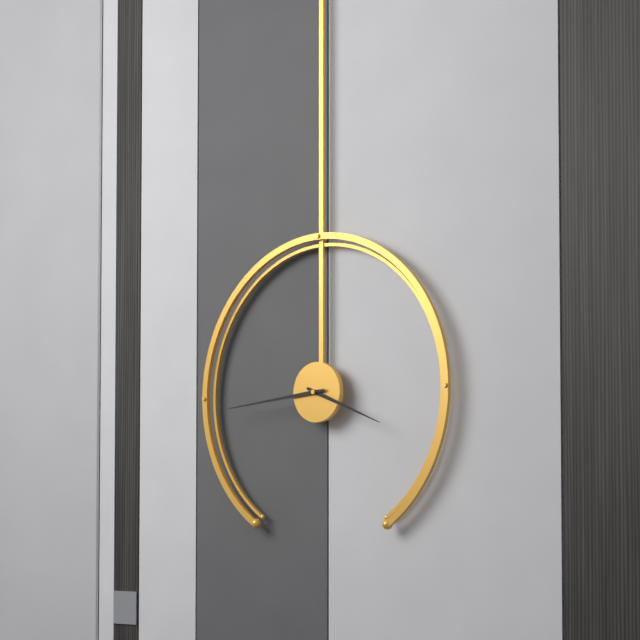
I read 3.44
